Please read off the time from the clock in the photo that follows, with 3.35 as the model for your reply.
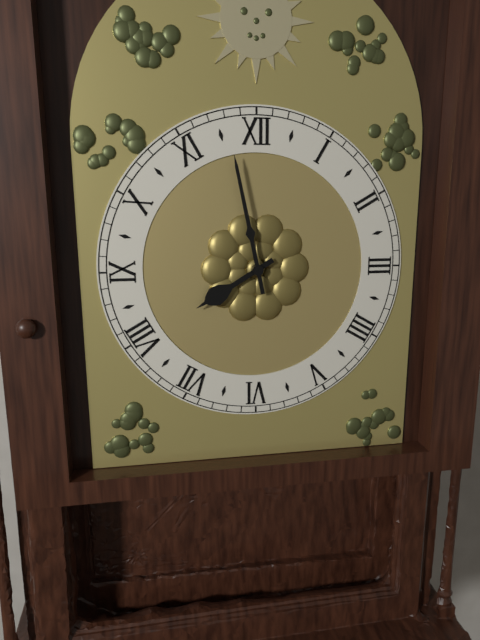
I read 7.58
